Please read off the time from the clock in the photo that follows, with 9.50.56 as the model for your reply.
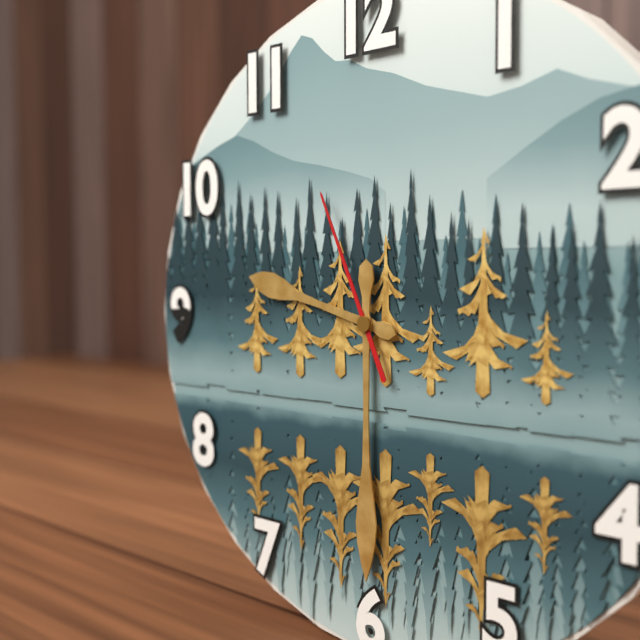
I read 9.30.56
